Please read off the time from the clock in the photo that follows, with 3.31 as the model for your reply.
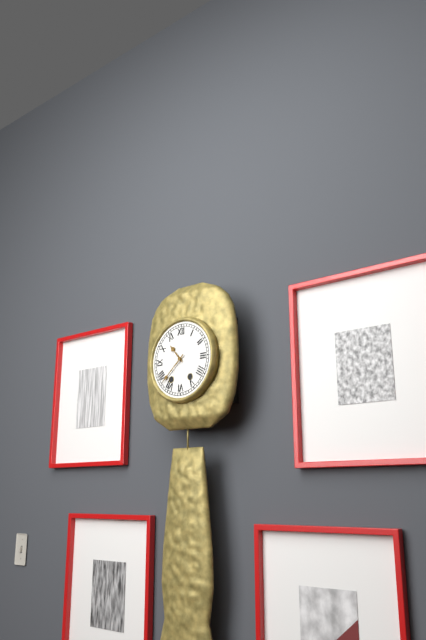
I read 10.38
